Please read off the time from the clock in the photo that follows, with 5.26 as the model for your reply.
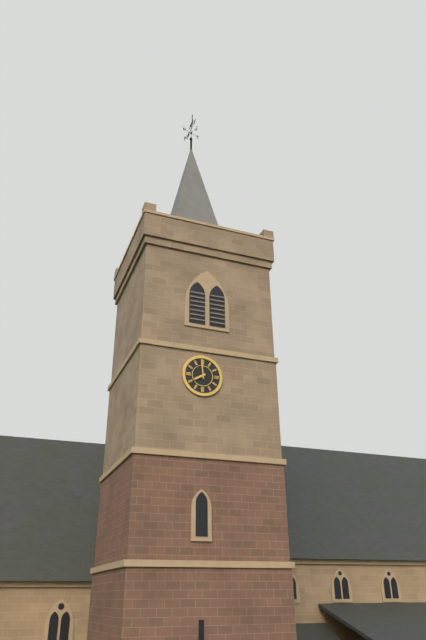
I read 7.59
